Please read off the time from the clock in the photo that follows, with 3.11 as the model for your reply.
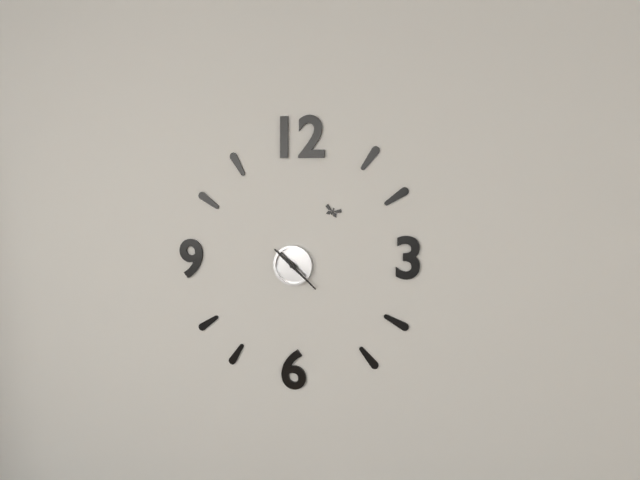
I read 10.22
